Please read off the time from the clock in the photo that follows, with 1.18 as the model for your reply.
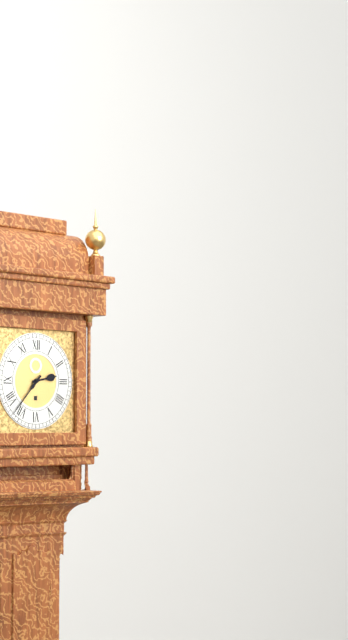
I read 2.37
